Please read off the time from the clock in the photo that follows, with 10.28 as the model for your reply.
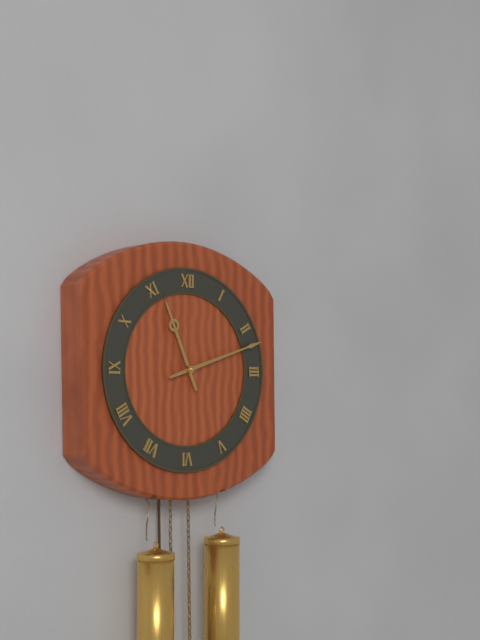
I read 11.12
